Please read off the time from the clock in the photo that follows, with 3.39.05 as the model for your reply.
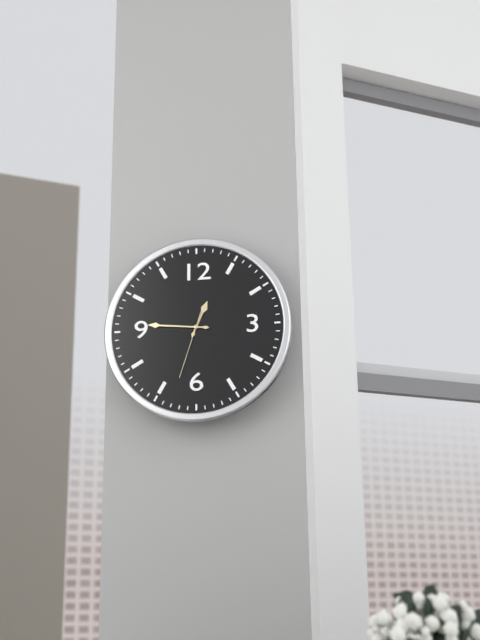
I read 12.46.33
